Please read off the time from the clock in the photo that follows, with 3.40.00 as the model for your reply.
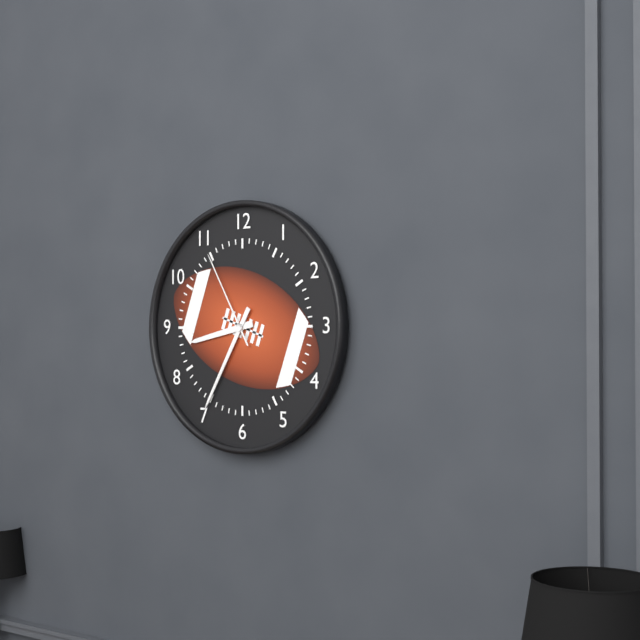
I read 8.35.55
